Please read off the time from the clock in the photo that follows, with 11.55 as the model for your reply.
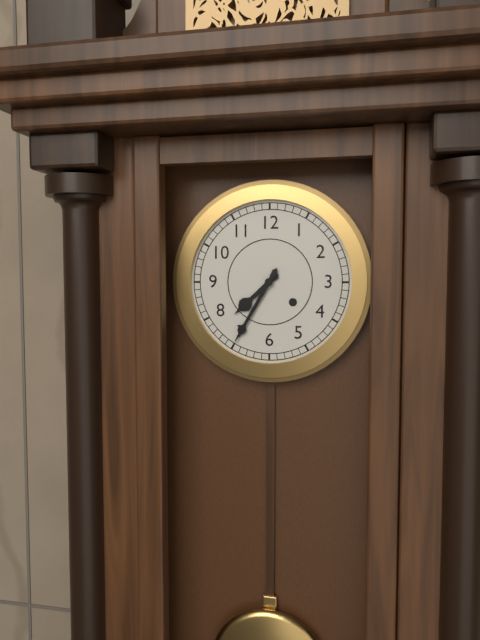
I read 7.35
